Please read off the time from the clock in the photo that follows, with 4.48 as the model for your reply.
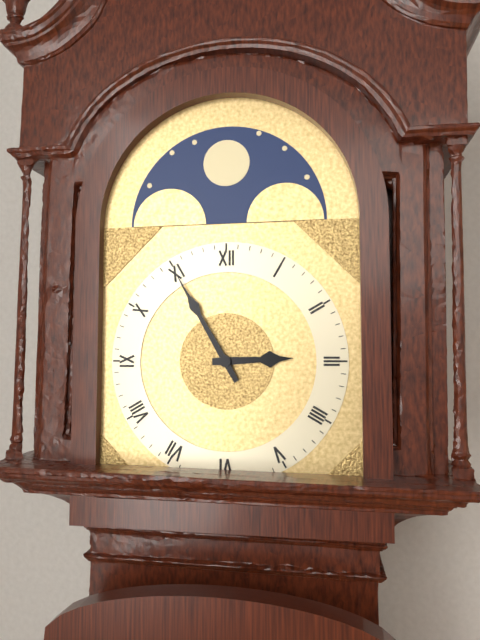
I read 2.55
